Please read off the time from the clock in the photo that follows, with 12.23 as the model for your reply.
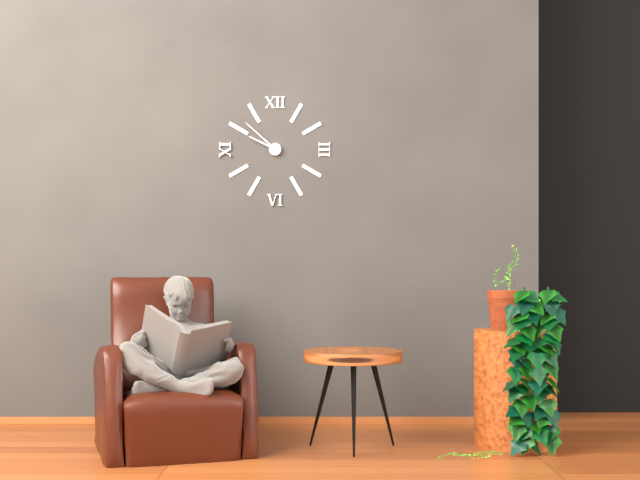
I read 9.52
